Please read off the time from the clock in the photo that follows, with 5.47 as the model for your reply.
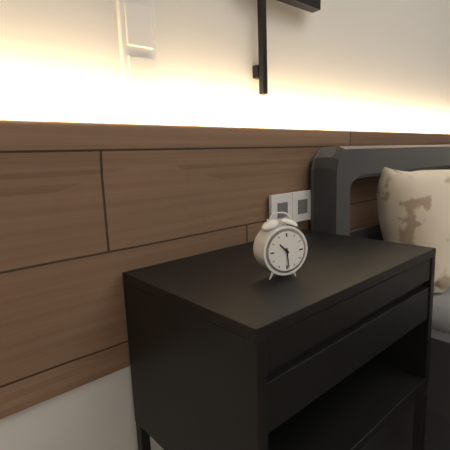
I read 10.29
